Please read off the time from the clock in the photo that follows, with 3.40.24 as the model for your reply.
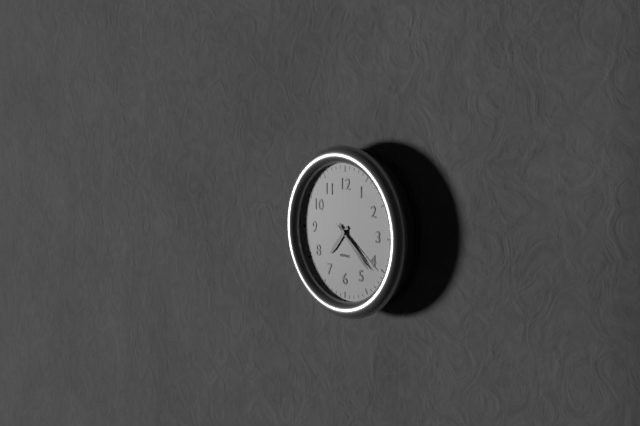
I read 7.22.21
